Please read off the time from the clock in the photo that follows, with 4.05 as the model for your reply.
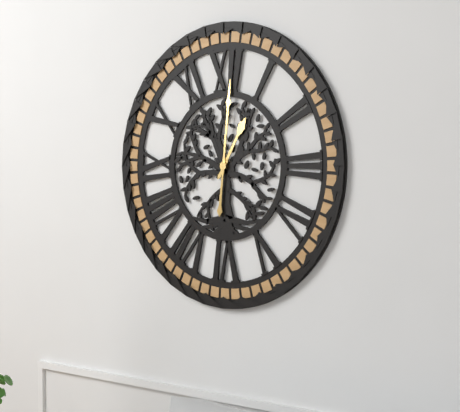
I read 1.01
